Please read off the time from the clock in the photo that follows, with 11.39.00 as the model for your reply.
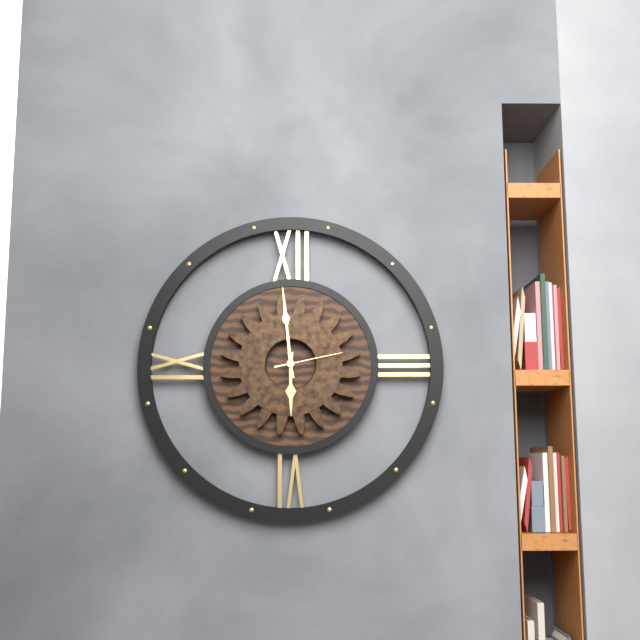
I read 5.59.13
